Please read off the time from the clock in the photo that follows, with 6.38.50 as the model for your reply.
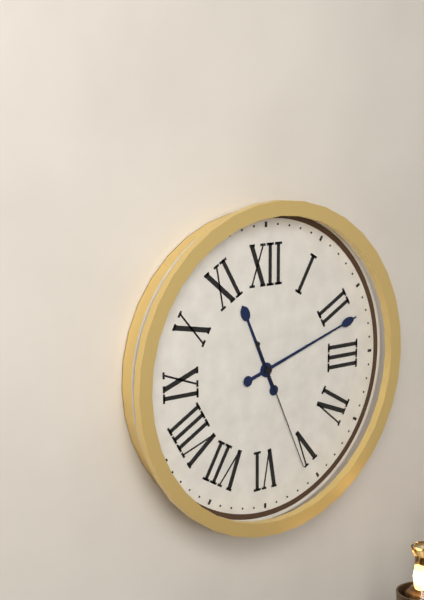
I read 11.12.26
